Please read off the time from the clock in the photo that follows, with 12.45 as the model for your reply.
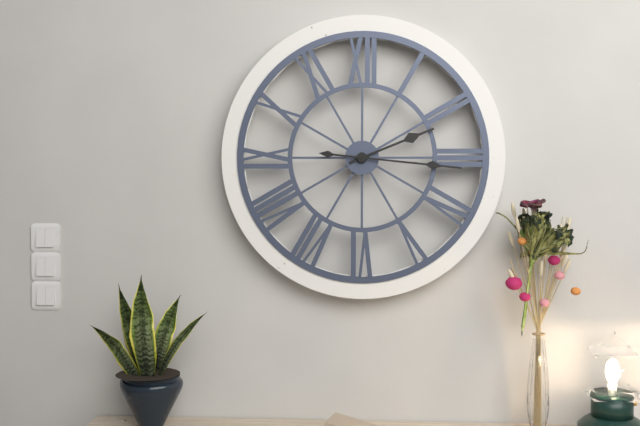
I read 2.16
